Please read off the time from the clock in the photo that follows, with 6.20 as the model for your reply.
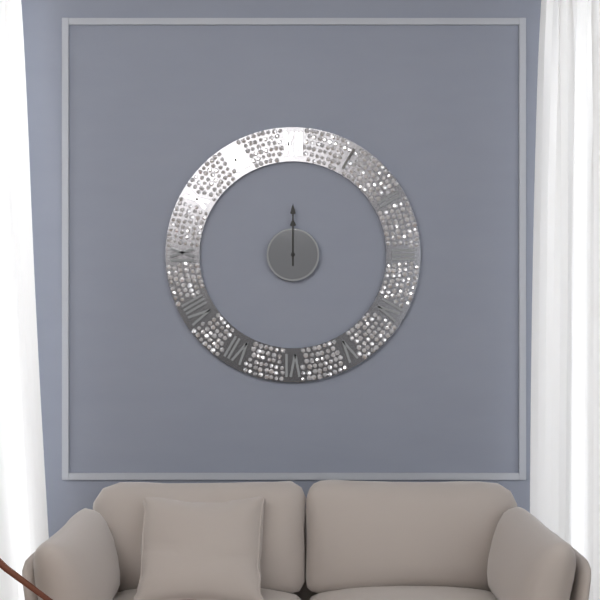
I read 12.00
